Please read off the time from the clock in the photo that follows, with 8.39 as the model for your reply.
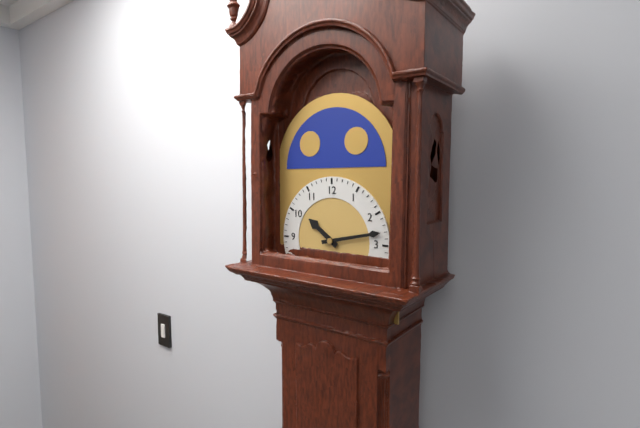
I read 10.13
